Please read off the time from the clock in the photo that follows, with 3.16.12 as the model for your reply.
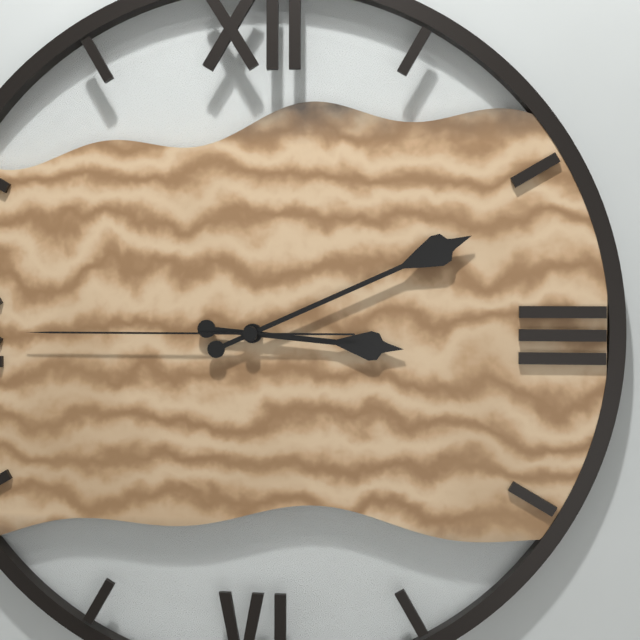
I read 3.11.45
